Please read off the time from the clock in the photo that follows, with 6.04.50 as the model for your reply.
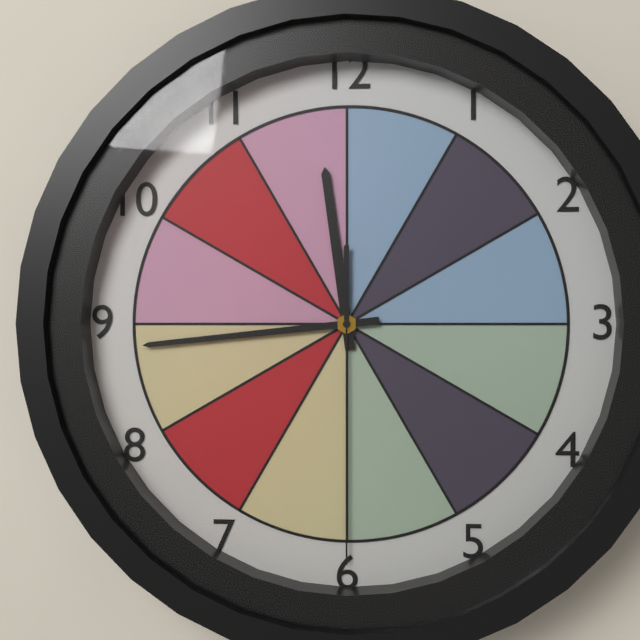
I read 11.44.30
